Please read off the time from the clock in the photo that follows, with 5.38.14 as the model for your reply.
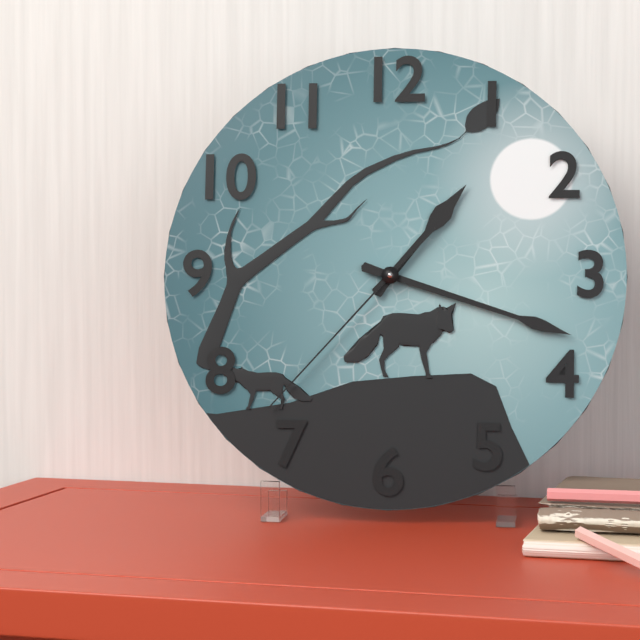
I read 1.18.37
